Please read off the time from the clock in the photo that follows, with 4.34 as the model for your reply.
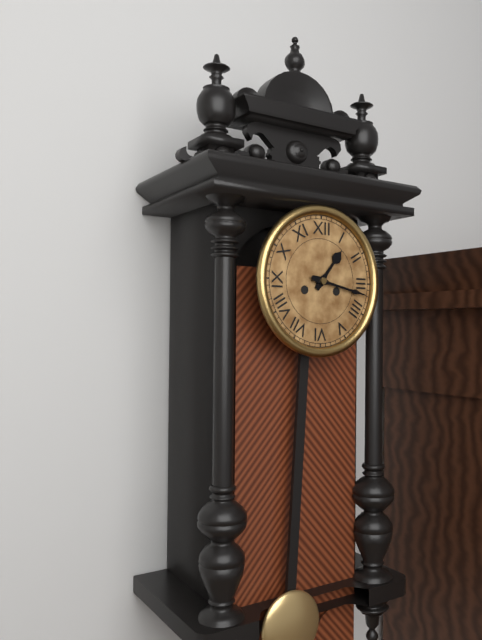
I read 1.17
